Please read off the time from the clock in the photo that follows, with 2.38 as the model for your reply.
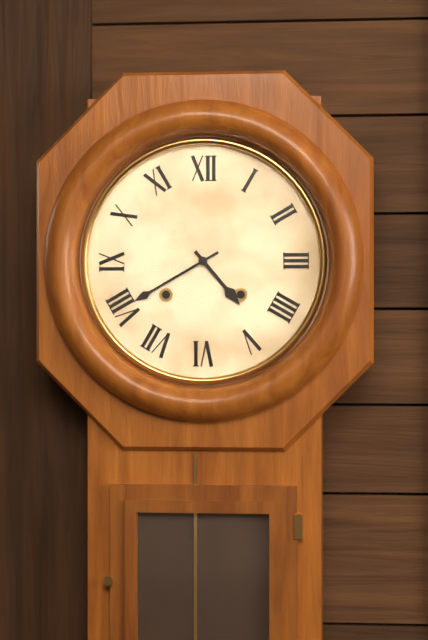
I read 4.40
